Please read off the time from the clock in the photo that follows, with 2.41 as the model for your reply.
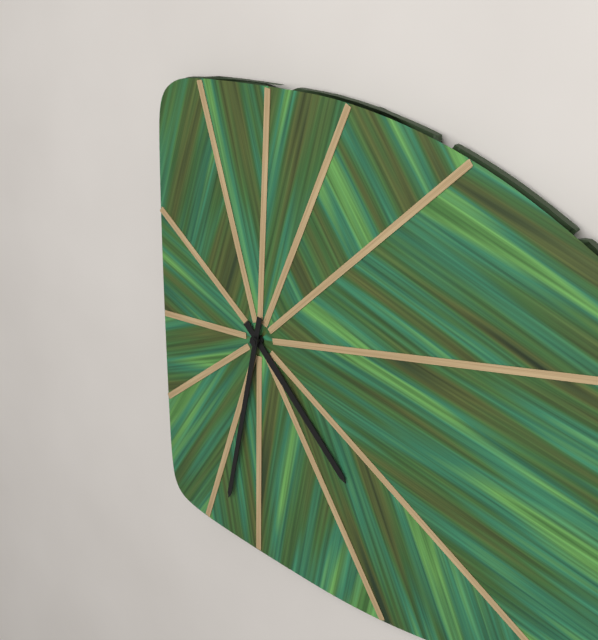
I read 4.32
